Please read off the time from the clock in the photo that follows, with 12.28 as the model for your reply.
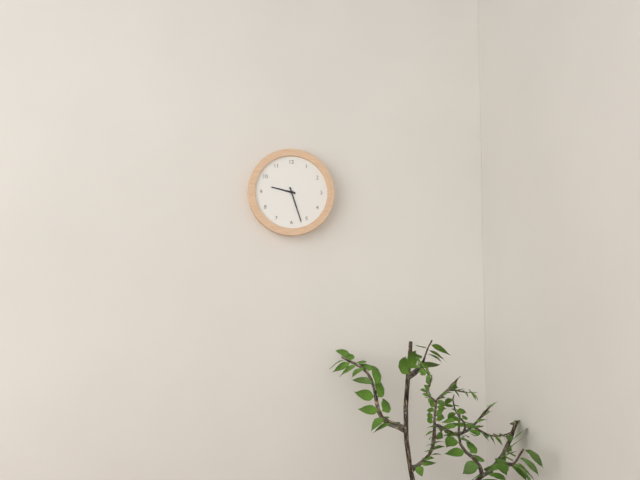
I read 9.27
